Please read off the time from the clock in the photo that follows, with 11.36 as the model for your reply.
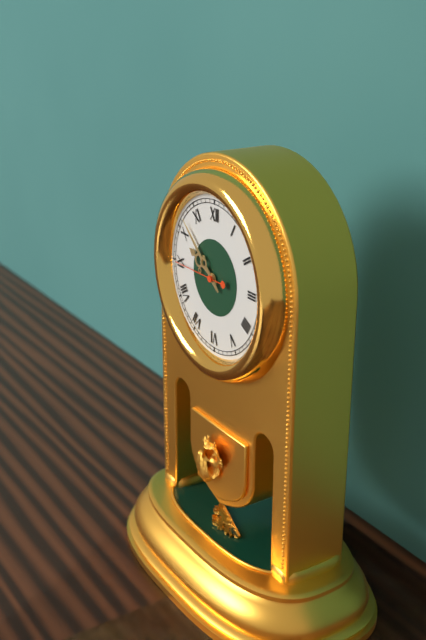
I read 9.52
